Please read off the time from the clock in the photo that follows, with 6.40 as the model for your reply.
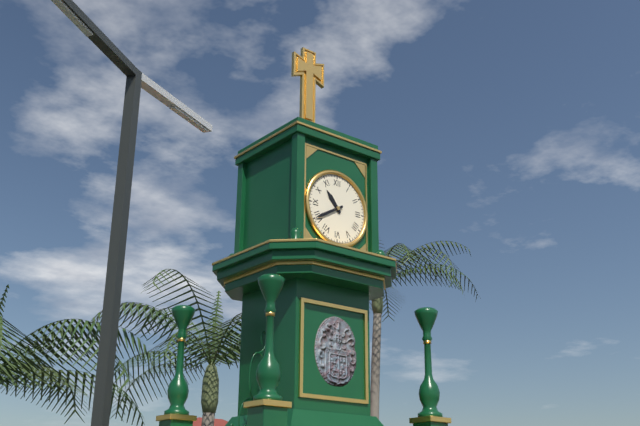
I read 10.40
